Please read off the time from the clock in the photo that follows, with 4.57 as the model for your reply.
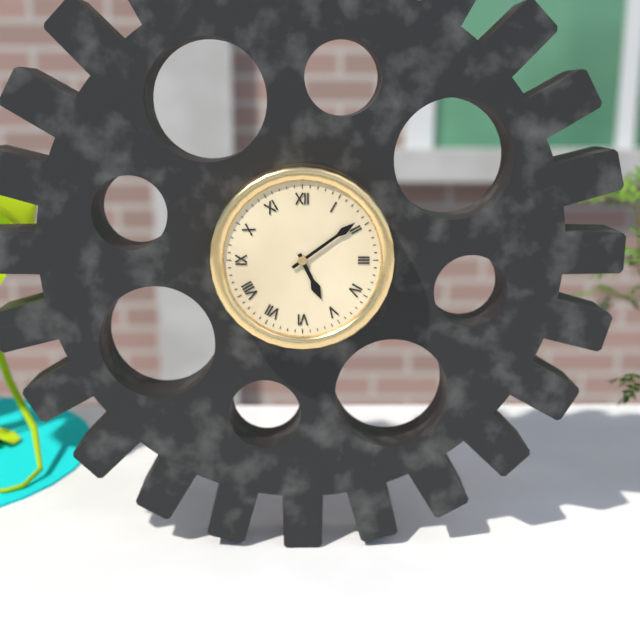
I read 5.09
